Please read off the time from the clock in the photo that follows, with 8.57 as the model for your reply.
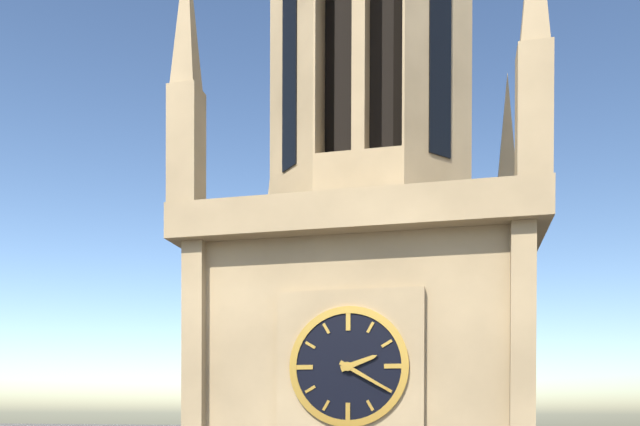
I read 2.20
